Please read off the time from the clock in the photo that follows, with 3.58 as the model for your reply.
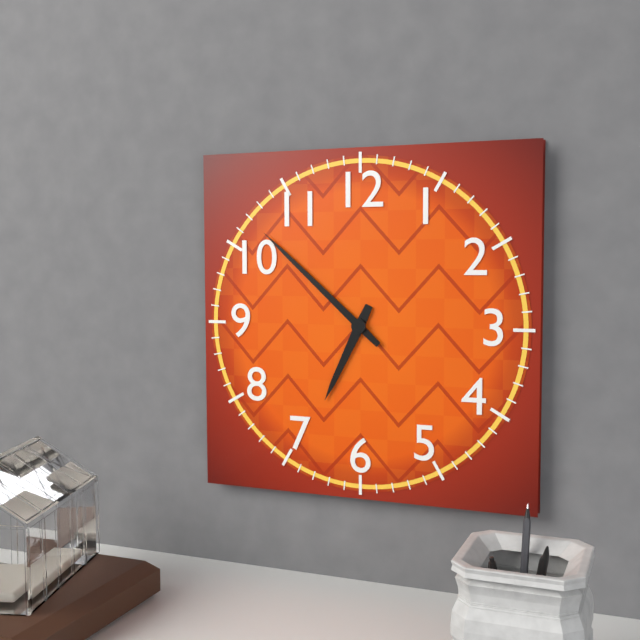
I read 6.52
